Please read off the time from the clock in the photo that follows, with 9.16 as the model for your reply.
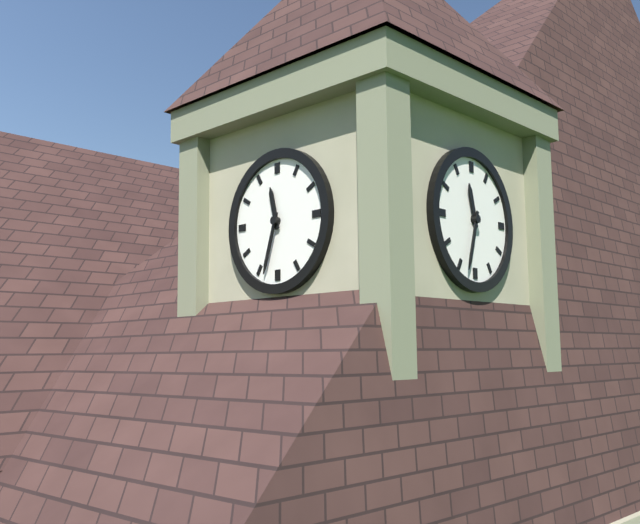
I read 11.33
